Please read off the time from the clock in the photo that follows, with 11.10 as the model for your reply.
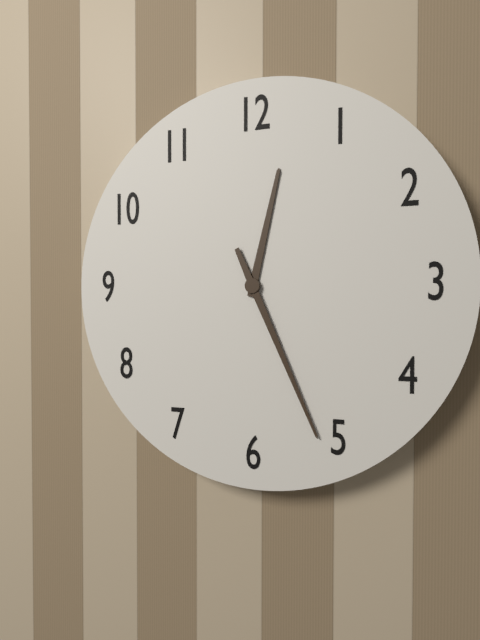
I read 12.26
